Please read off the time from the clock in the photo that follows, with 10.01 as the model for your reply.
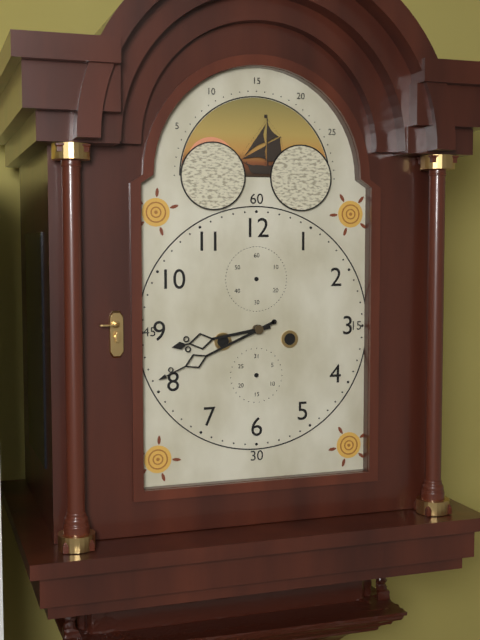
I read 8.41
